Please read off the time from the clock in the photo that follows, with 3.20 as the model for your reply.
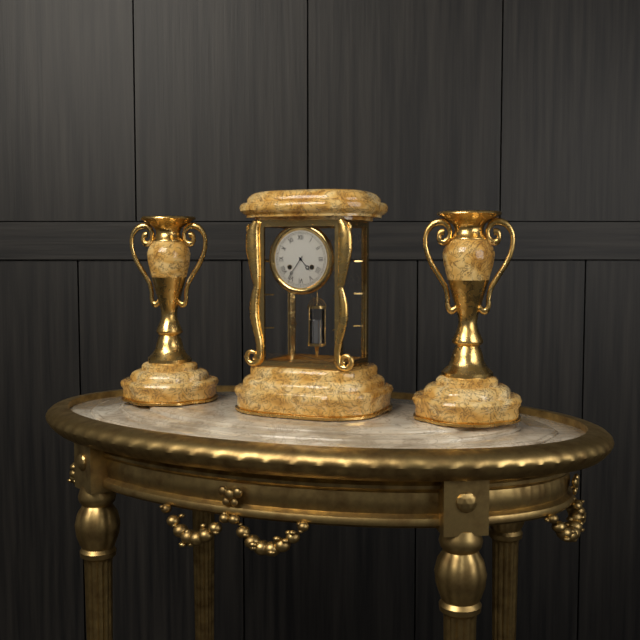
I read 4.36
